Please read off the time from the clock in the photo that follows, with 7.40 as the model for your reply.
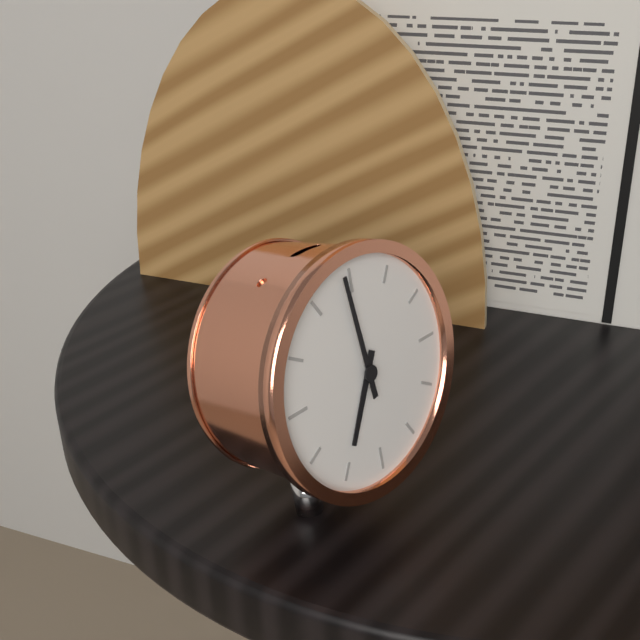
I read 6.59
